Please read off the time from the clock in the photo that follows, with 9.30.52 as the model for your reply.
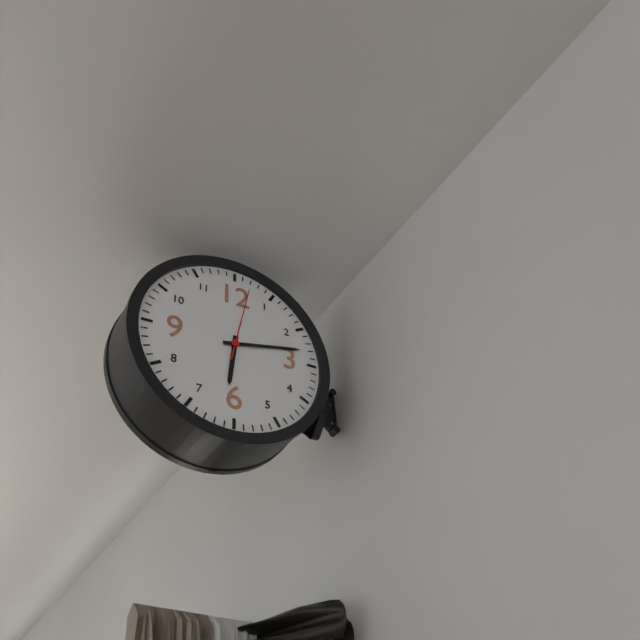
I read 6.13.02
